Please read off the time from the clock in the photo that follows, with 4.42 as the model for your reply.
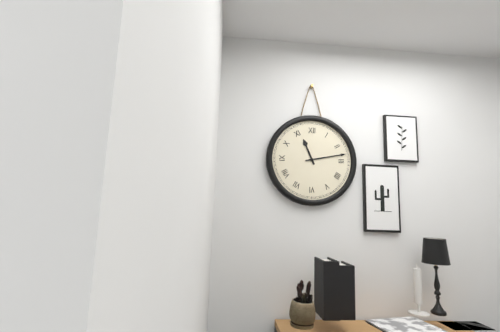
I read 11.13
